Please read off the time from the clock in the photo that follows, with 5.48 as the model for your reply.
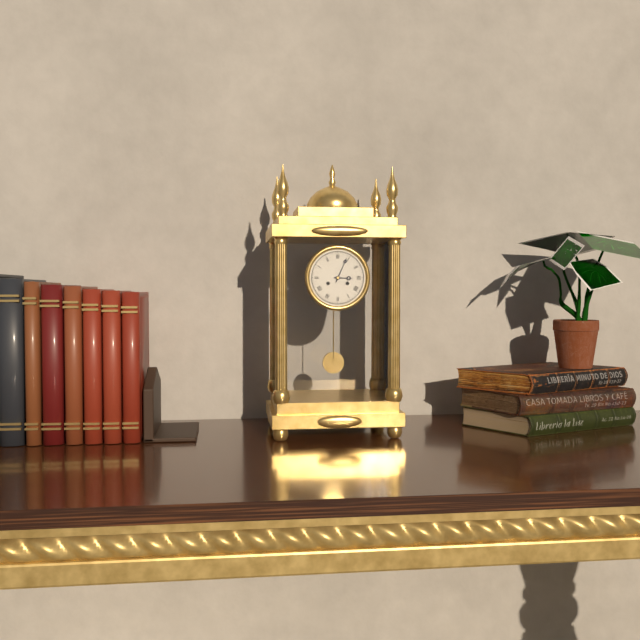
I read 3.04
